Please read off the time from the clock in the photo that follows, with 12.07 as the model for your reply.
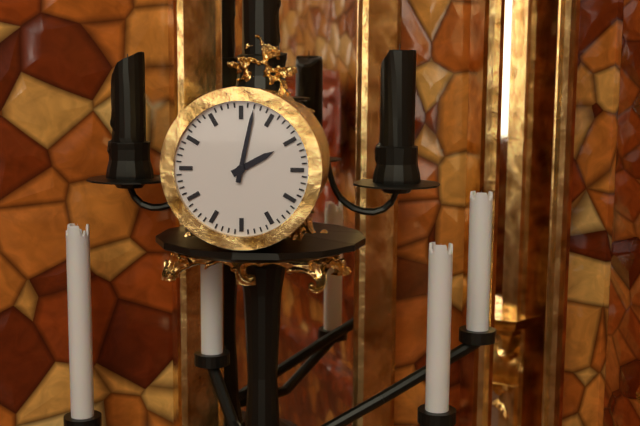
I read 2.02
